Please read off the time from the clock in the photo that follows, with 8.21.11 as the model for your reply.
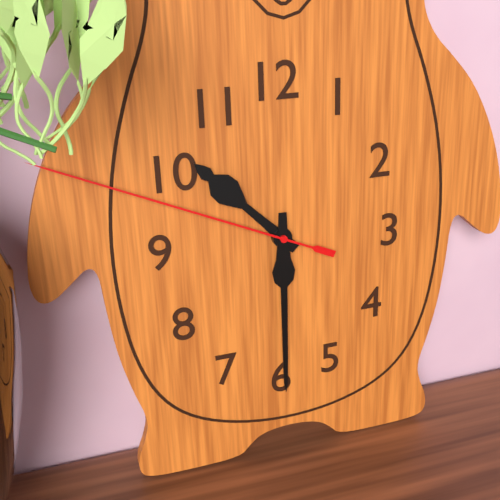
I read 10.30.49
